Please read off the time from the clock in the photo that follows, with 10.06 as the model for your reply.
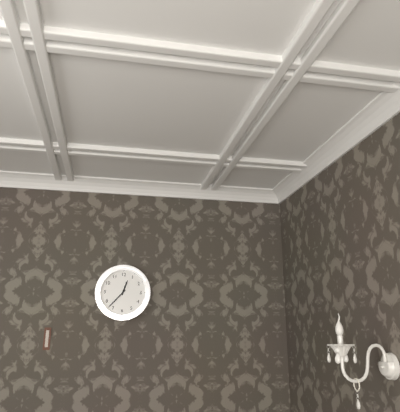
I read 12.37
